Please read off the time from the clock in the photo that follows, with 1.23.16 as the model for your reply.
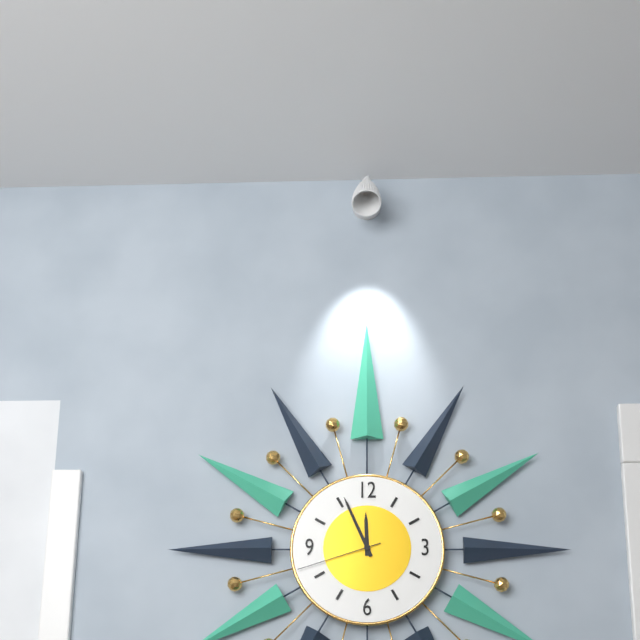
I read 11.56.42
